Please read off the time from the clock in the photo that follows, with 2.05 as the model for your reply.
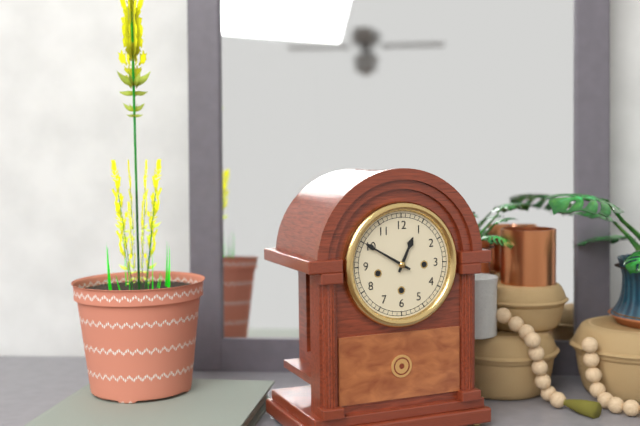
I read 12.50
